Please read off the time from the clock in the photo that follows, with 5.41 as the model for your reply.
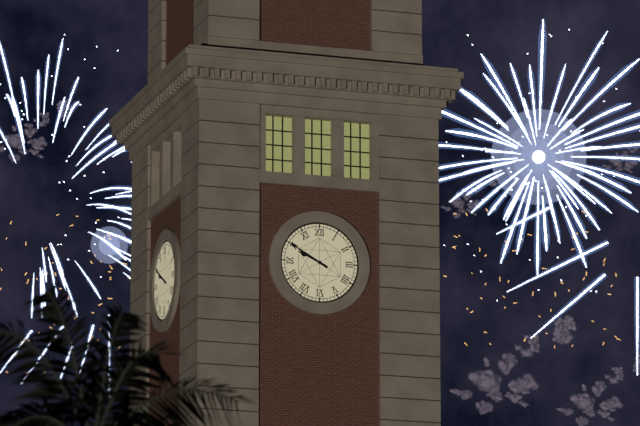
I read 9.50
